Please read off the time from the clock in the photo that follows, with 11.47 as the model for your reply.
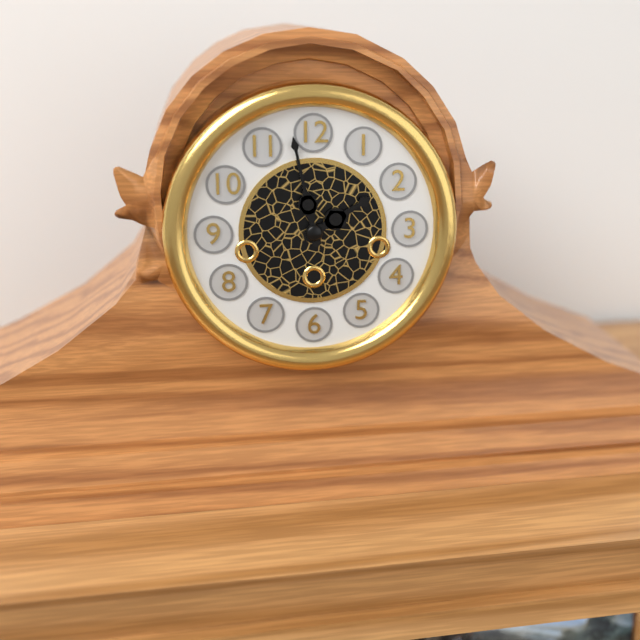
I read 1.58
